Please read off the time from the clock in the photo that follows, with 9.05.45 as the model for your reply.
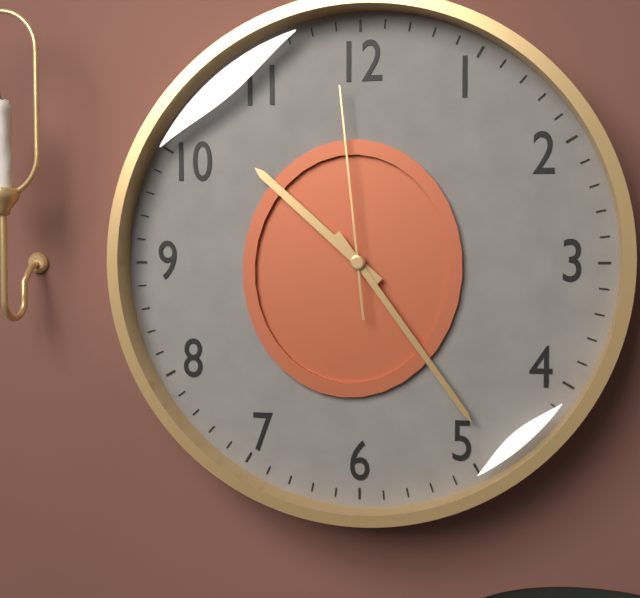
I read 10.24.59
